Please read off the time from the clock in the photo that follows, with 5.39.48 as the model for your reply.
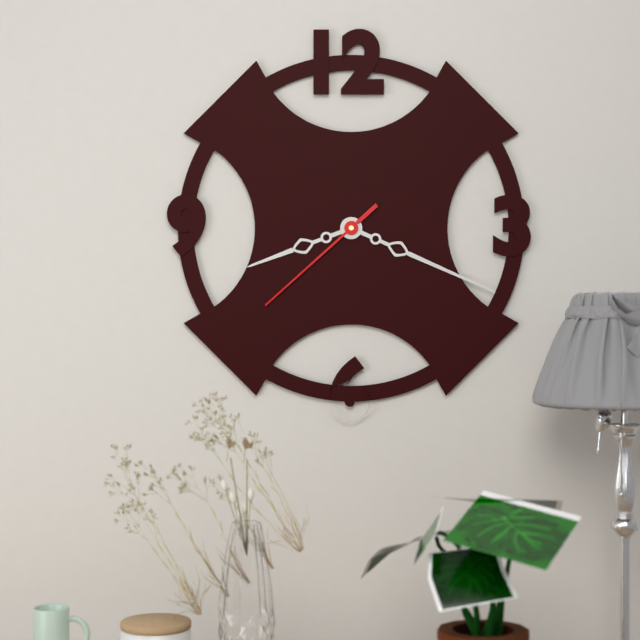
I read 8.19.38
